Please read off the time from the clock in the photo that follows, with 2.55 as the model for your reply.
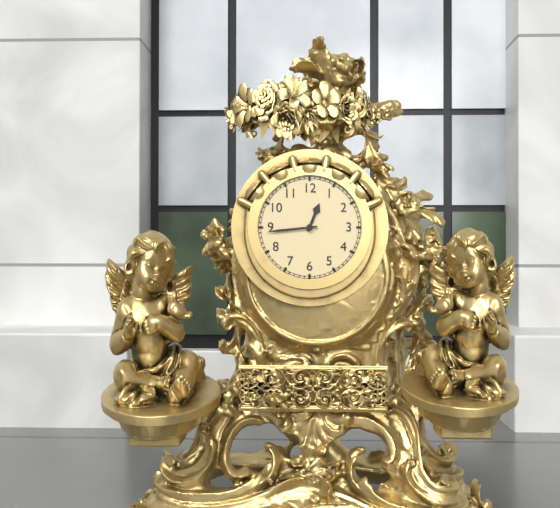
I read 12.44
